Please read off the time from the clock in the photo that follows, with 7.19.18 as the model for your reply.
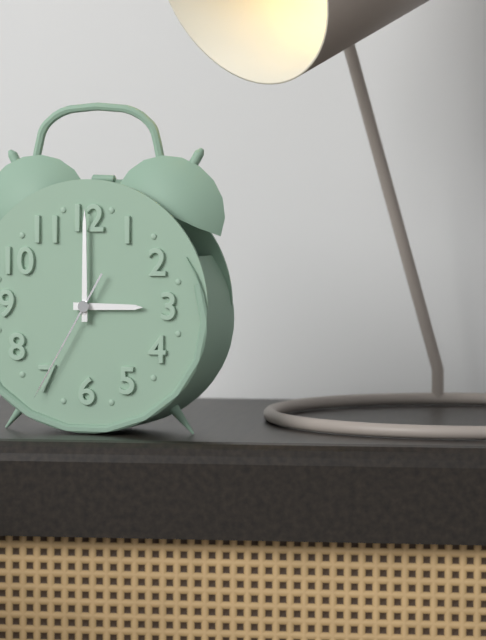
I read 3.00.35
